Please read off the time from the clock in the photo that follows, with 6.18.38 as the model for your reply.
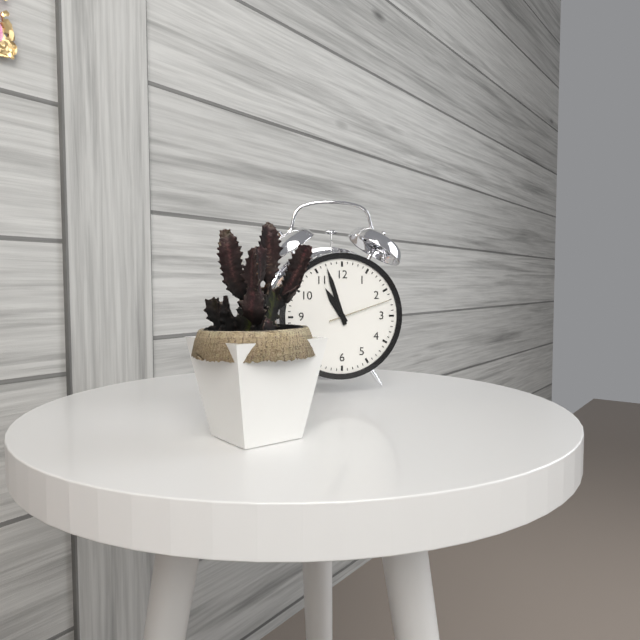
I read 10.57.12
